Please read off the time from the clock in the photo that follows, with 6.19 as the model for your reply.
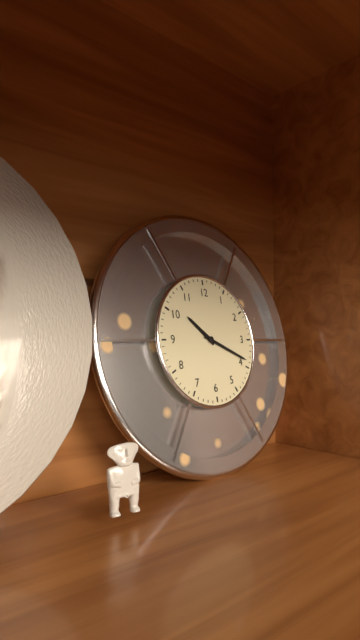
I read 10.19
